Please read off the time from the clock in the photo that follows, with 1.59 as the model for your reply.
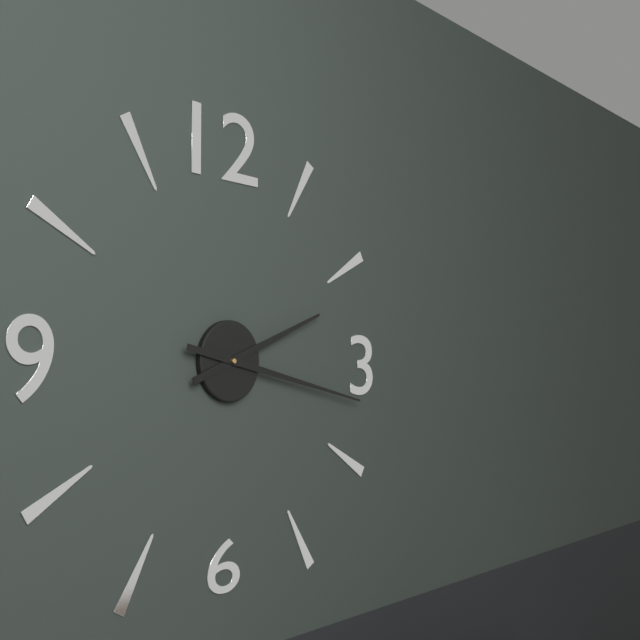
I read 2.17
